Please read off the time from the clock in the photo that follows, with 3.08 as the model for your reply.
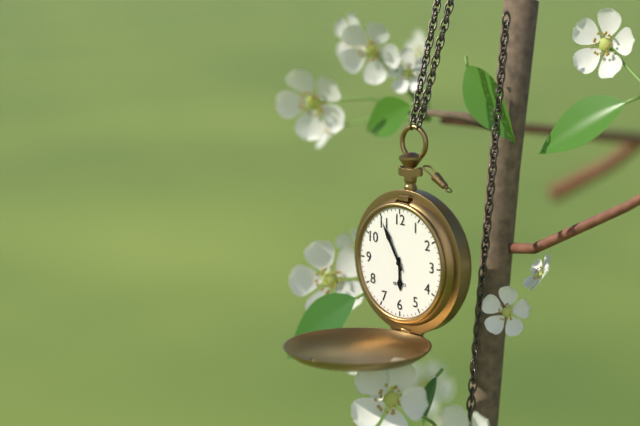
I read 5.55
